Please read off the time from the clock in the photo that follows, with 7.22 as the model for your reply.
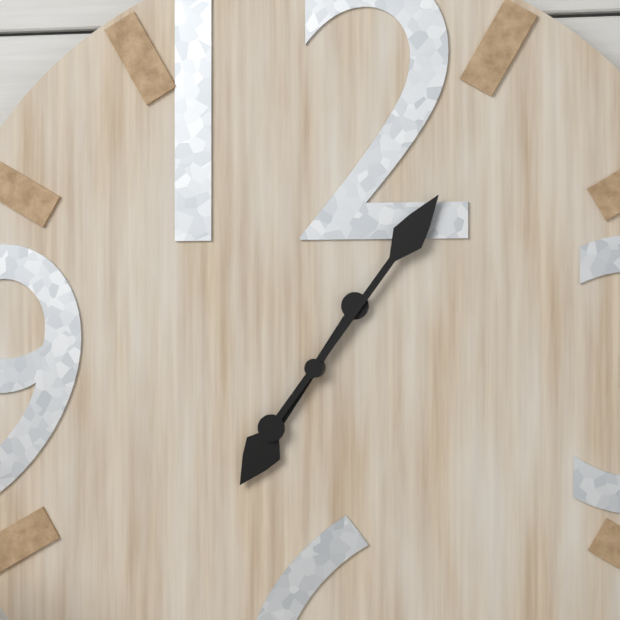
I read 7.06
